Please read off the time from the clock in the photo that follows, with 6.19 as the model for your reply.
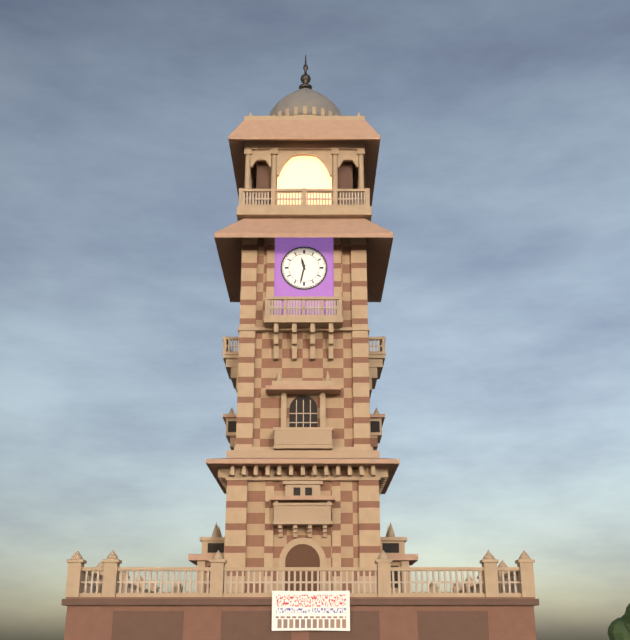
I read 11.32
